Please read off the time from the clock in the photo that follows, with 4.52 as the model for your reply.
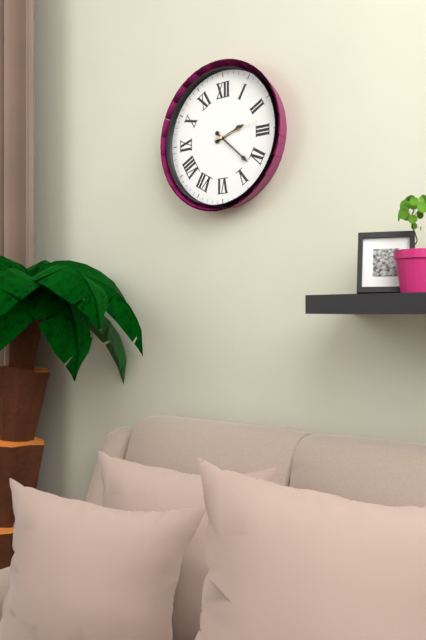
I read 2.22
